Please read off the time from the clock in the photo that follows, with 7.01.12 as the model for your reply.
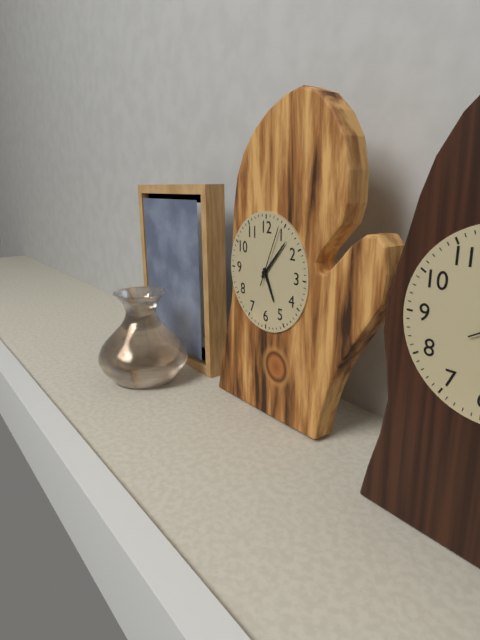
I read 5.07.04
